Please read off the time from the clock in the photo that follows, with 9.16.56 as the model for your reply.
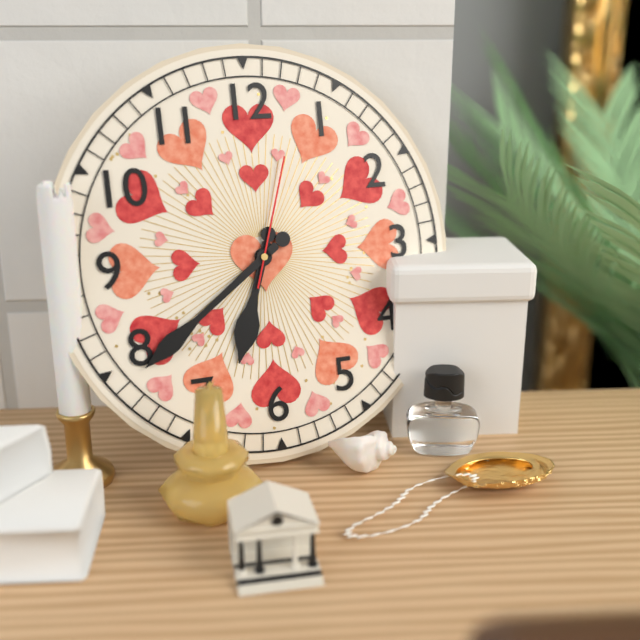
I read 6.39.03
